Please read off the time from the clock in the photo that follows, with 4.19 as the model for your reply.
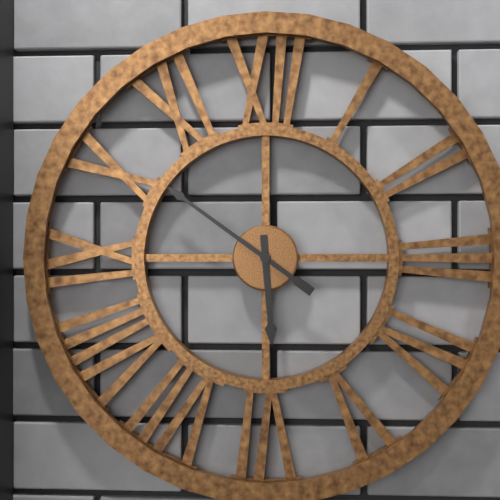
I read 5.51
